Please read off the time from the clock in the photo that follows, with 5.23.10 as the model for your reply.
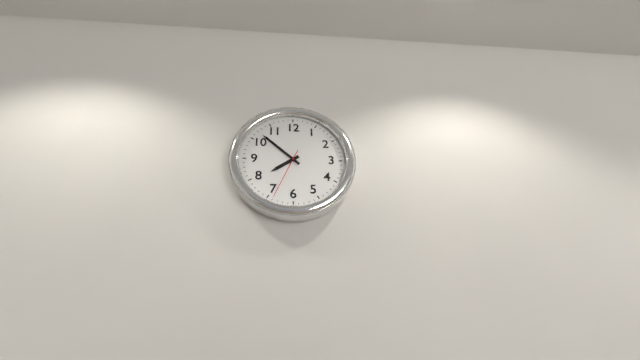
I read 7.52.34
